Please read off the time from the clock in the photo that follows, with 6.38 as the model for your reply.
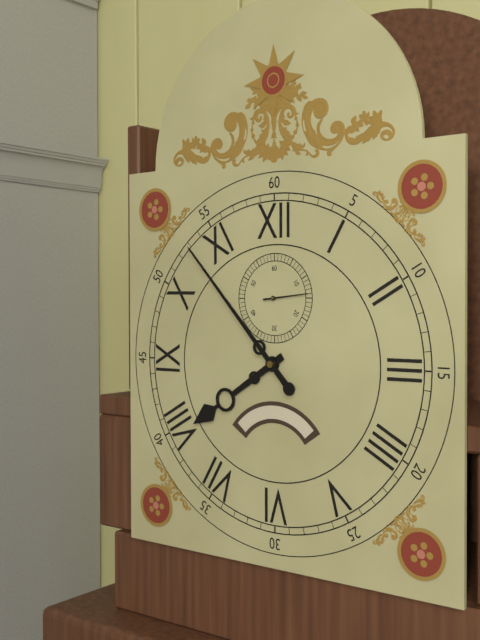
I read 7.53
